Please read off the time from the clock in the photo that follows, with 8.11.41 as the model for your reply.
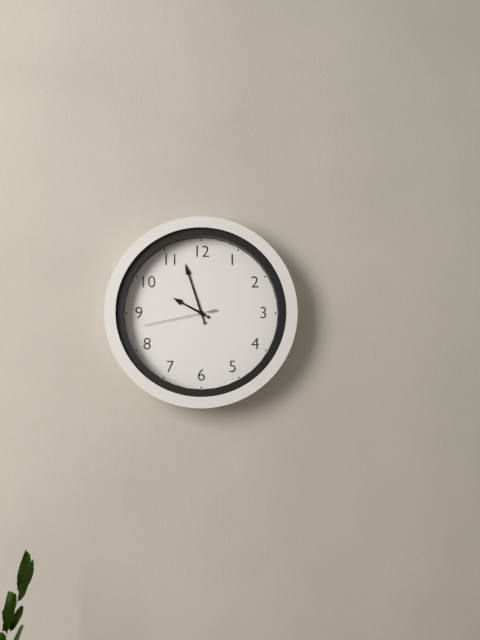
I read 9.57.43
